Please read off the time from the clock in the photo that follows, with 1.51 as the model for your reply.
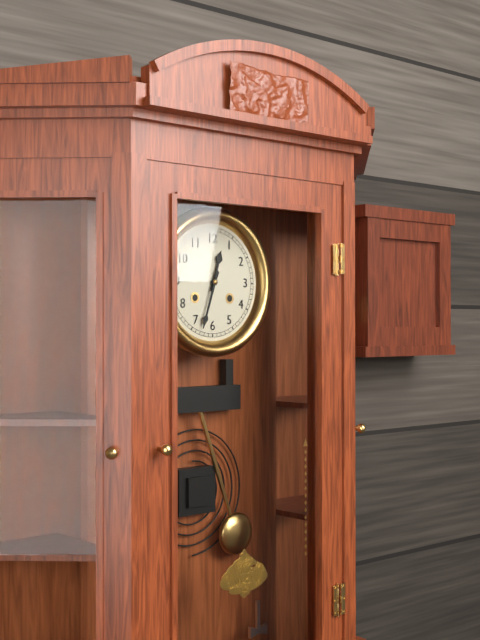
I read 12.33
